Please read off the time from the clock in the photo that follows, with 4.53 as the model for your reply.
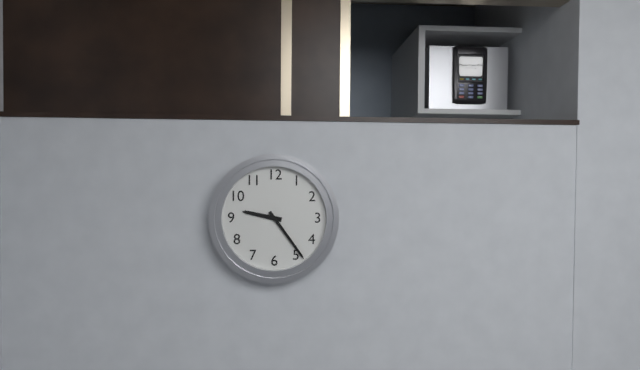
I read 9.24
